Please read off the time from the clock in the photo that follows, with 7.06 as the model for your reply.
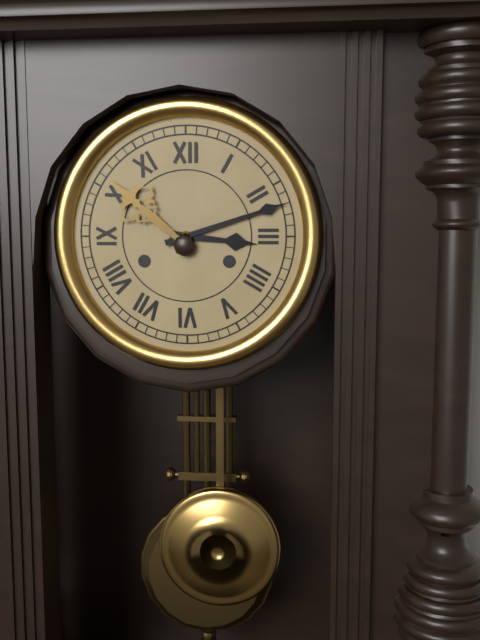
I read 3.12
